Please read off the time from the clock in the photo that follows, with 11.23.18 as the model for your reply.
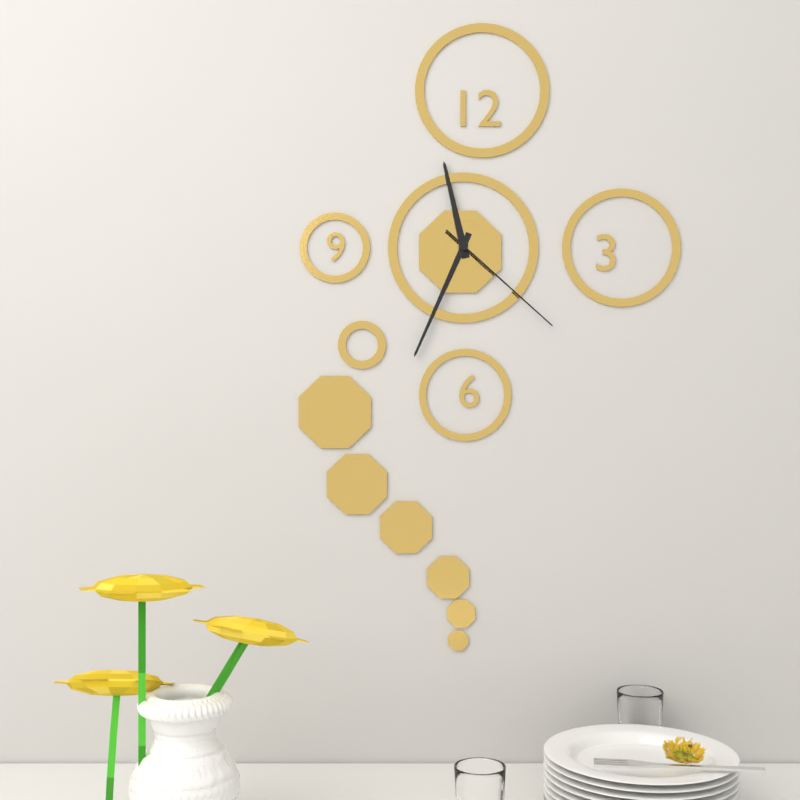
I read 11.34.22
